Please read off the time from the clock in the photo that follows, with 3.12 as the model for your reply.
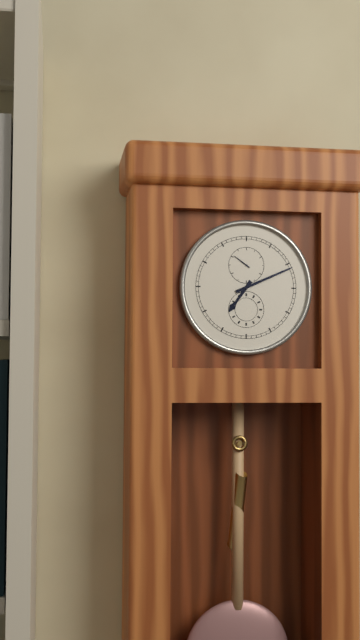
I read 7.11
